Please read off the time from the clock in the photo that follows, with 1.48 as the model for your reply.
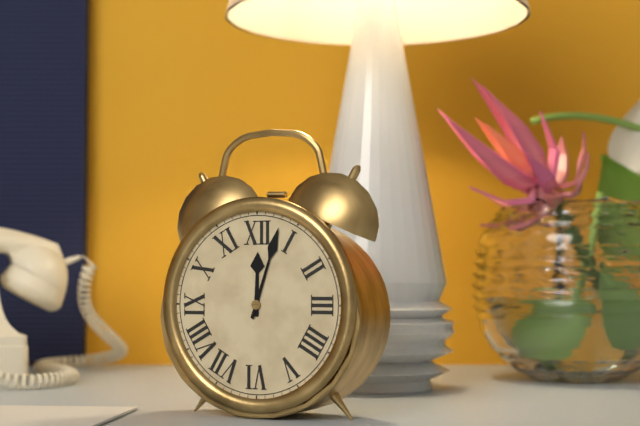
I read 12.03
